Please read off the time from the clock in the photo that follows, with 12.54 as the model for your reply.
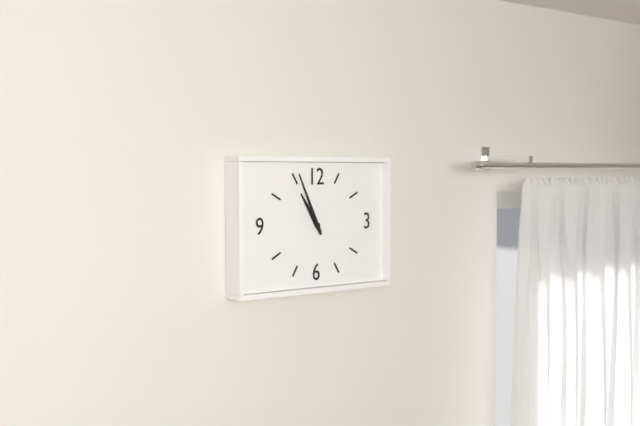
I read 10.56
